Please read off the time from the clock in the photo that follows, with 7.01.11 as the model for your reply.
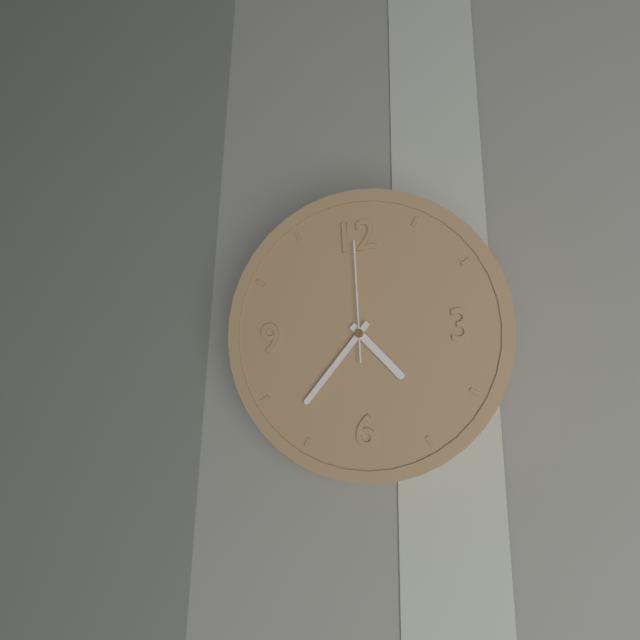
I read 4.37.00
